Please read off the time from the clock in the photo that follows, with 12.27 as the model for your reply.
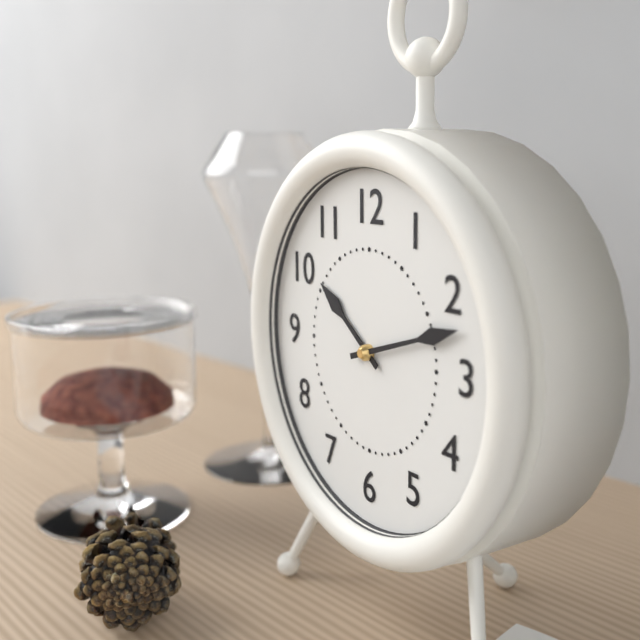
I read 10.12
